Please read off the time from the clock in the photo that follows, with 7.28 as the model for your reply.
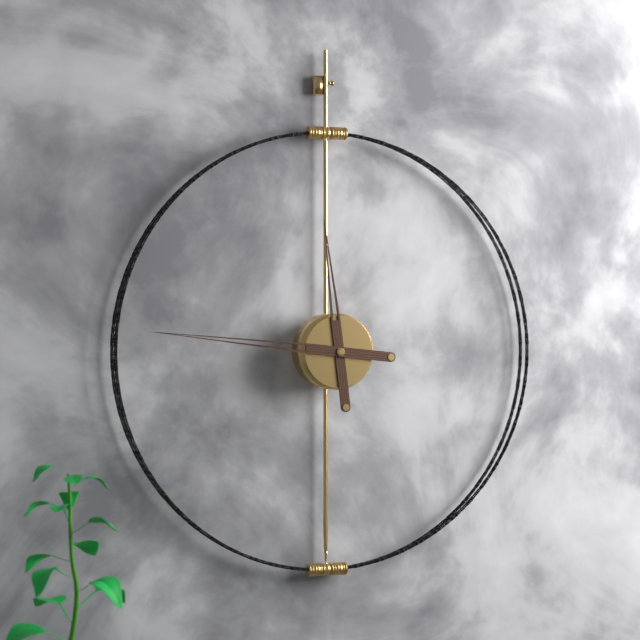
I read 11.46
